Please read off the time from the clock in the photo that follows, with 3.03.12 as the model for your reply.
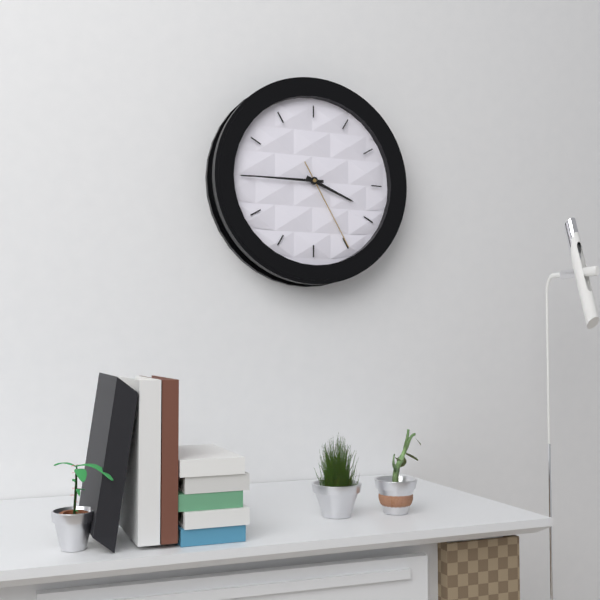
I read 3.45.25
